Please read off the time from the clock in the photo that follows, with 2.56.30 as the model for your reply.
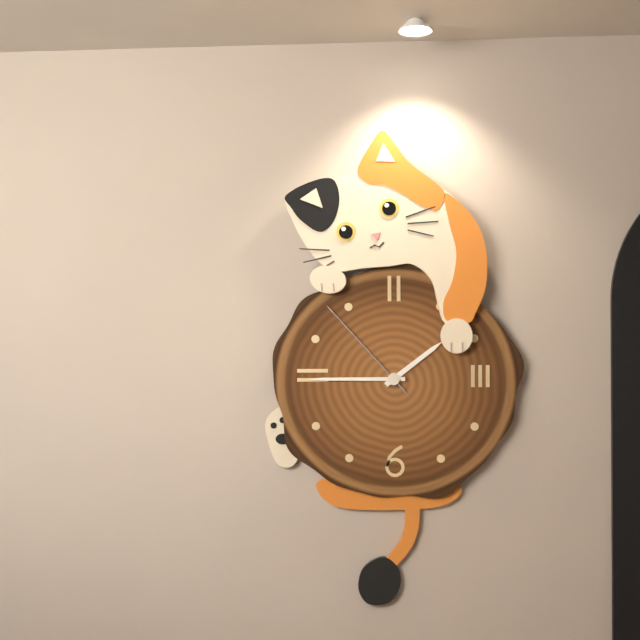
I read 1.45.53
